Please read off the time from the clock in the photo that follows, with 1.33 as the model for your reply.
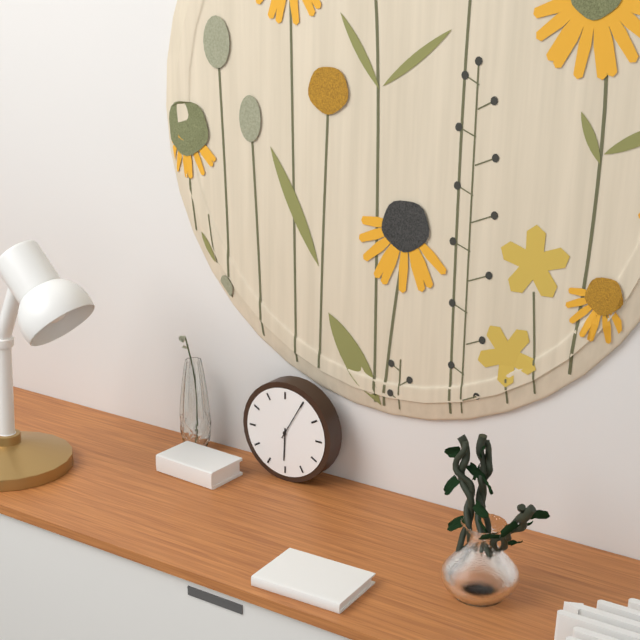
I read 6.05
